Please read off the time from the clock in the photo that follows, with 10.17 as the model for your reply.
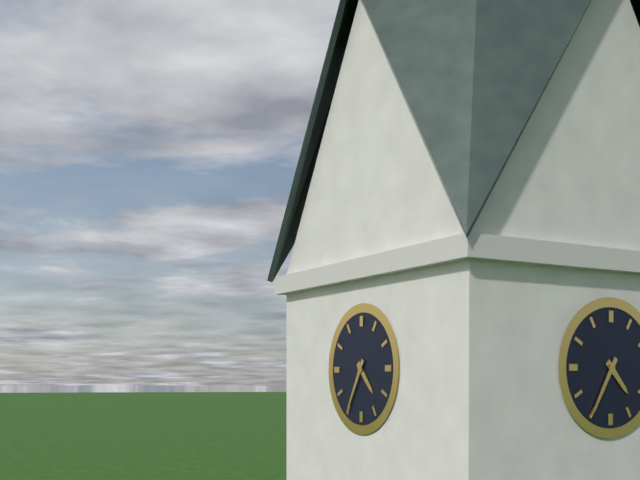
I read 4.35
